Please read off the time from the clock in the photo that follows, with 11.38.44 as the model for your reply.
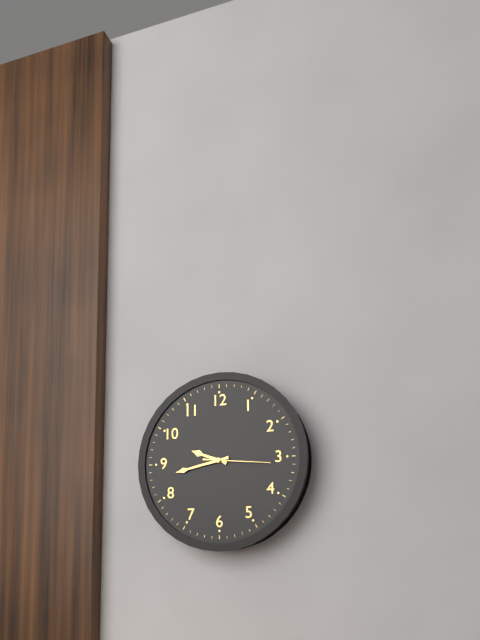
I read 9.43.16
